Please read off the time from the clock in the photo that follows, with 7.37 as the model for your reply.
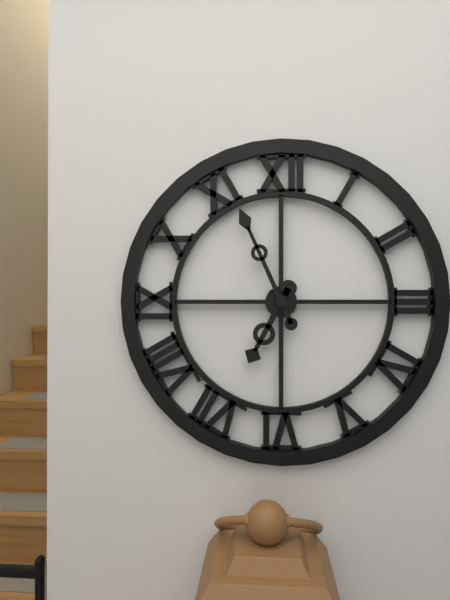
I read 6.56
